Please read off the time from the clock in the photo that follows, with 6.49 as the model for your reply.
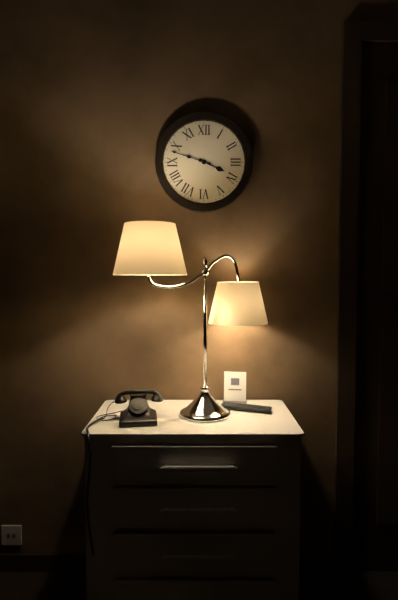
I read 3.48
